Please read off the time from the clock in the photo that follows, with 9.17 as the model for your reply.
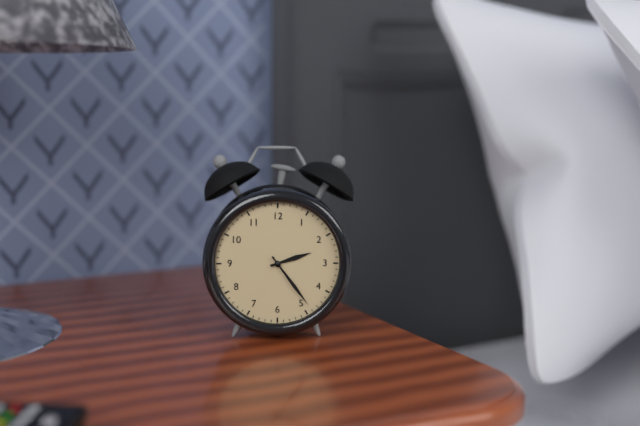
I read 2.24
